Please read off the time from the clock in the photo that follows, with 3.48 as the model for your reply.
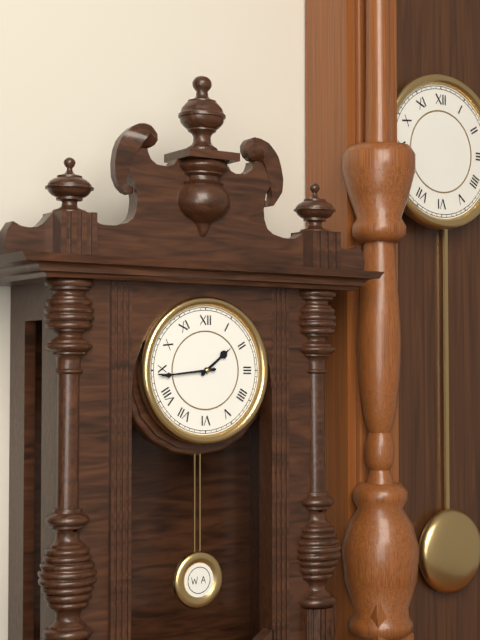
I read 1.44
